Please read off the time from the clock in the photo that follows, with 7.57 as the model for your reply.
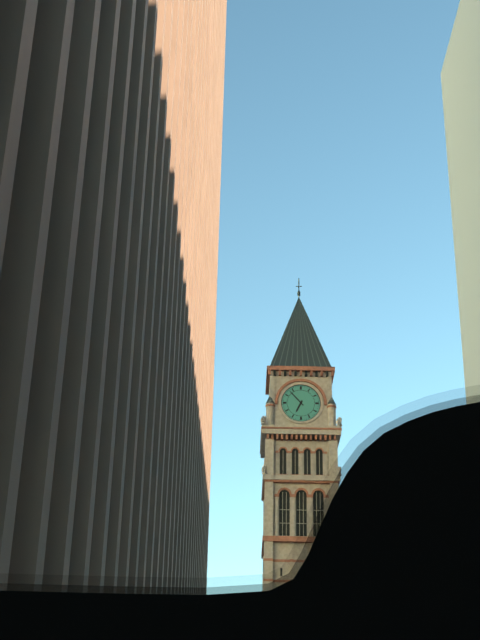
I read 6.53
